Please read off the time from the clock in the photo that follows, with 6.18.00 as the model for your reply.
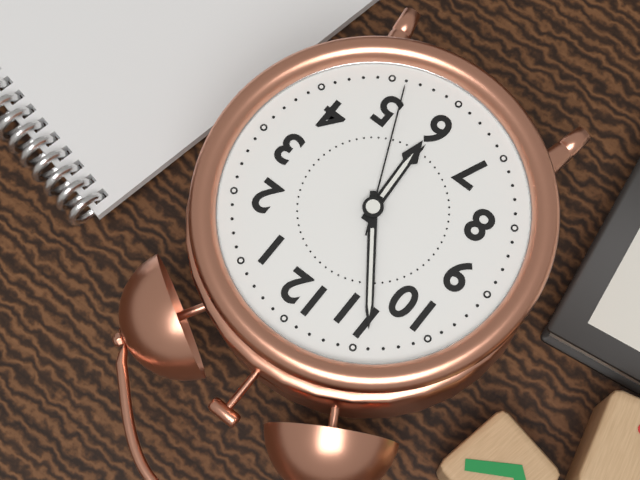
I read 5.54.26
